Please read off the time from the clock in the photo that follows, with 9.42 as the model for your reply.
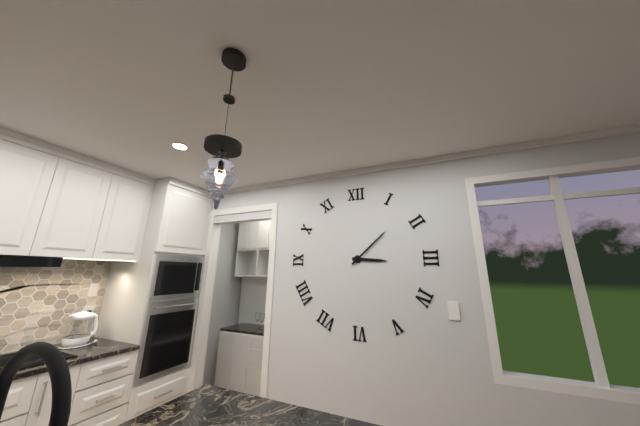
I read 3.08
